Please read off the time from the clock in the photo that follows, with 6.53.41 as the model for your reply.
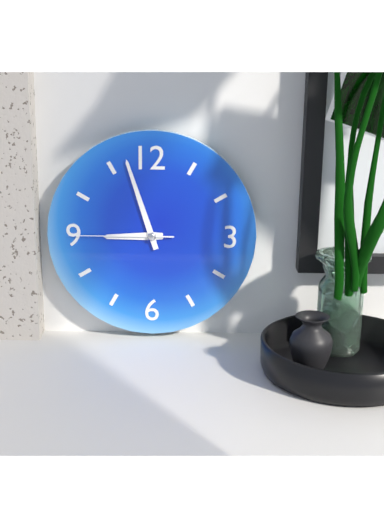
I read 8.57.45
